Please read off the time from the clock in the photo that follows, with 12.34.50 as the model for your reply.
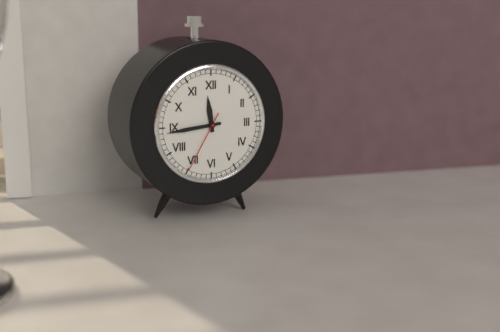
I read 11.44.35
